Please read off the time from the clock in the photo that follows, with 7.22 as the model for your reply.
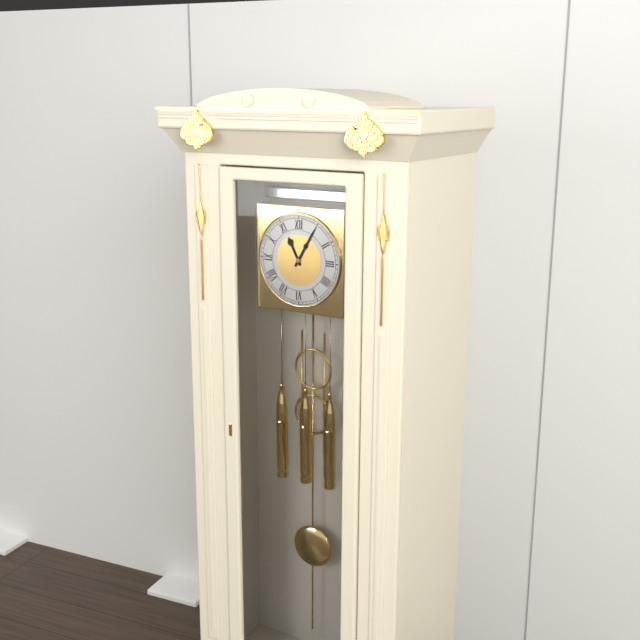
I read 11.05
